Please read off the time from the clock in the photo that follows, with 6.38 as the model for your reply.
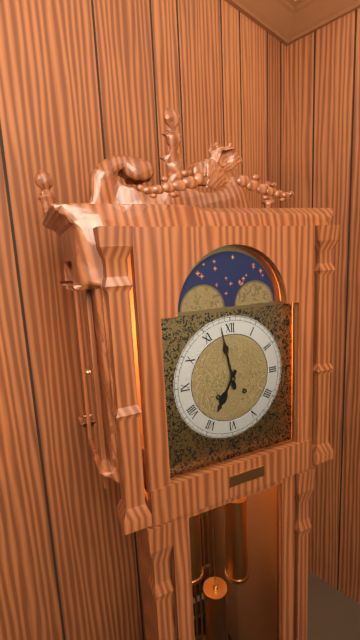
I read 6.58
